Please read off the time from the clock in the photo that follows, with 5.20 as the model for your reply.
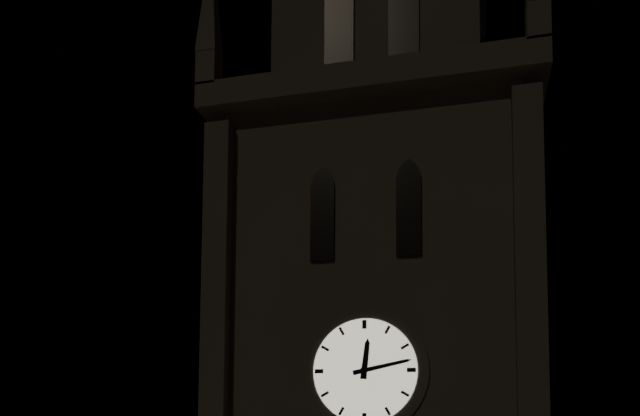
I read 12.13
